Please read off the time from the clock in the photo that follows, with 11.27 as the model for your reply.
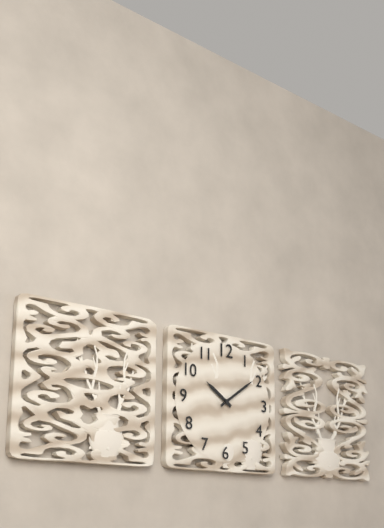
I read 10.09
